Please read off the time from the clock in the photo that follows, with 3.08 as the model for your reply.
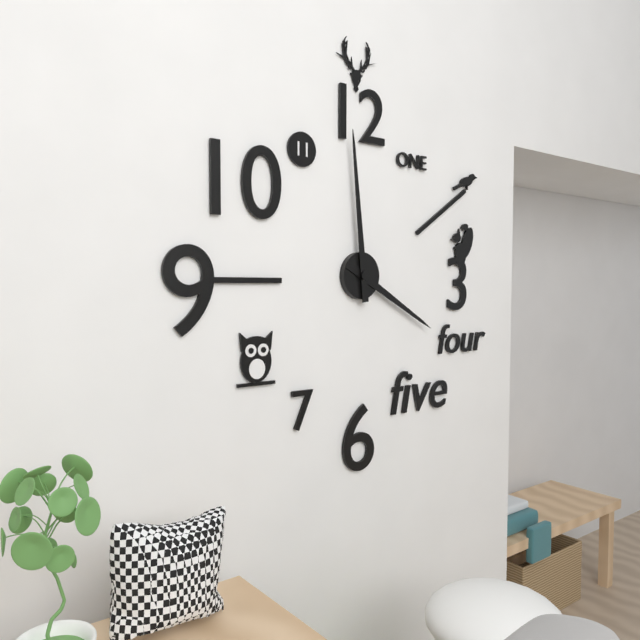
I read 3.59
